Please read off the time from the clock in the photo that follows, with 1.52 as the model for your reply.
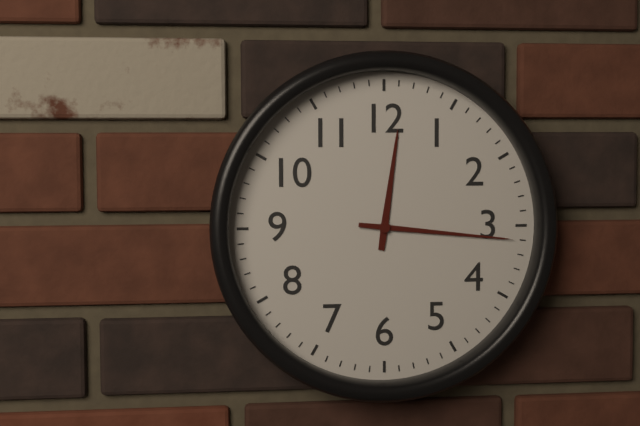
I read 12.16
